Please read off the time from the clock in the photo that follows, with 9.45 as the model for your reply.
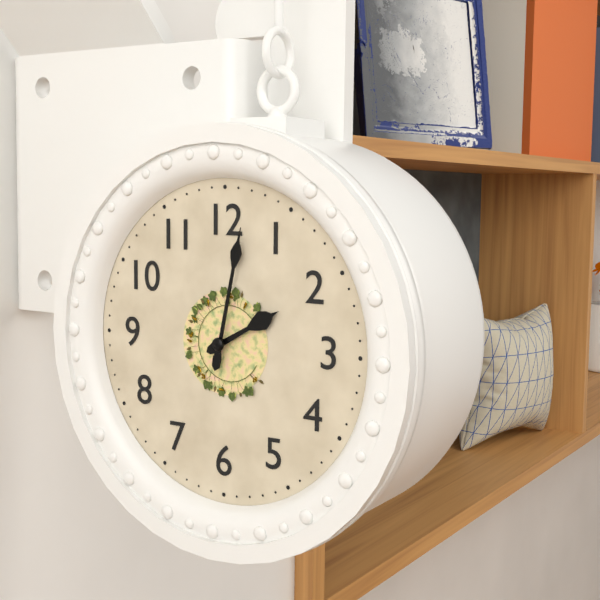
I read 2.02
